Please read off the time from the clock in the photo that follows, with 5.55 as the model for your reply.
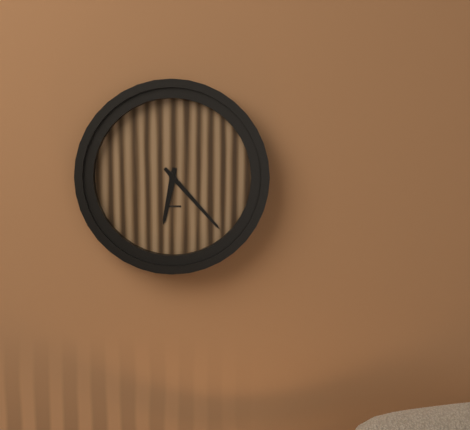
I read 6.23
